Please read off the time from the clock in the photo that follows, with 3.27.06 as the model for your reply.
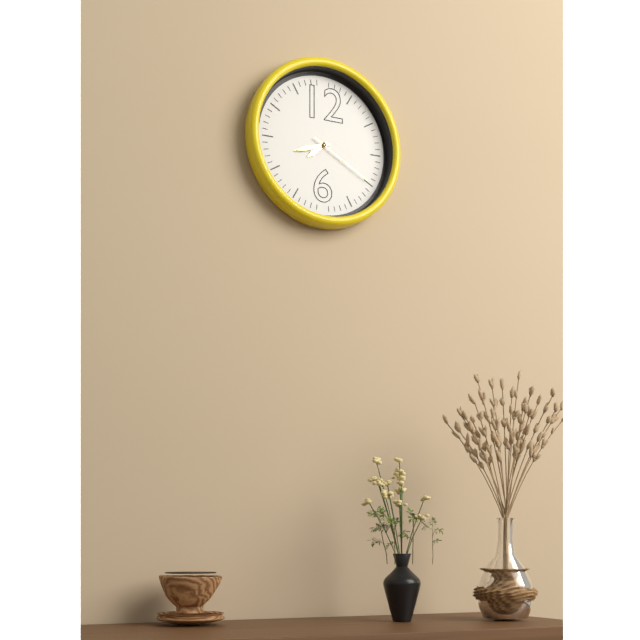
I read 7.42.20
